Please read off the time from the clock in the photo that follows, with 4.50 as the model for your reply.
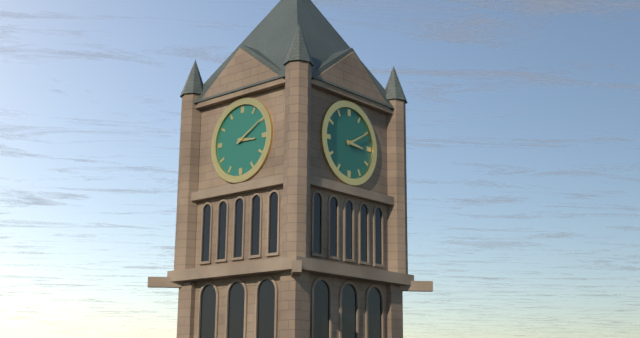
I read 3.10
